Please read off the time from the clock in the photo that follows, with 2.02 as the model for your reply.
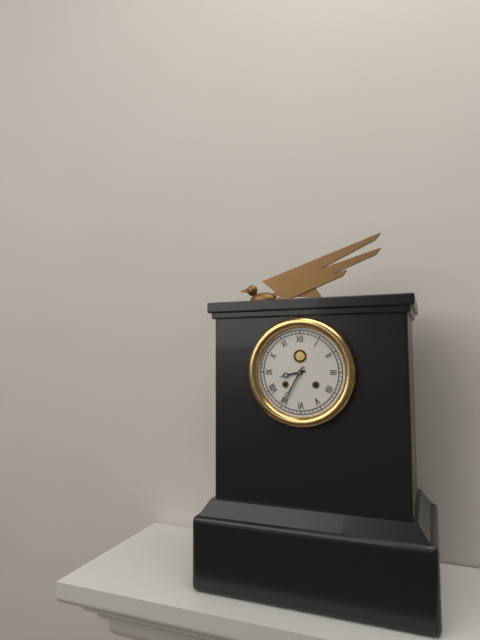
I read 8.35
